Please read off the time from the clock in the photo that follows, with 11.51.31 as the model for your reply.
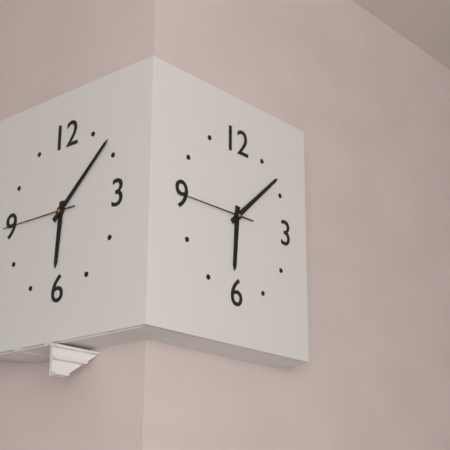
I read 6.08.45
